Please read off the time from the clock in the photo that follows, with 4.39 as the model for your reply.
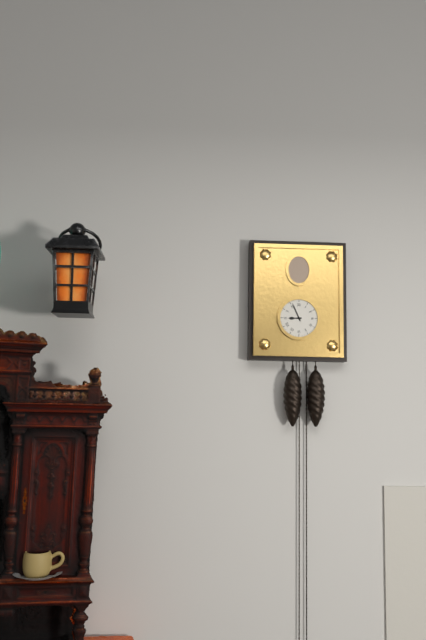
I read 8.56
